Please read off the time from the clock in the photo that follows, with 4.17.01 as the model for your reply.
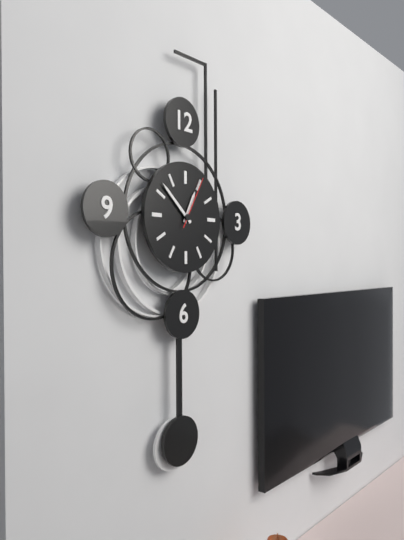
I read 12.52.05
